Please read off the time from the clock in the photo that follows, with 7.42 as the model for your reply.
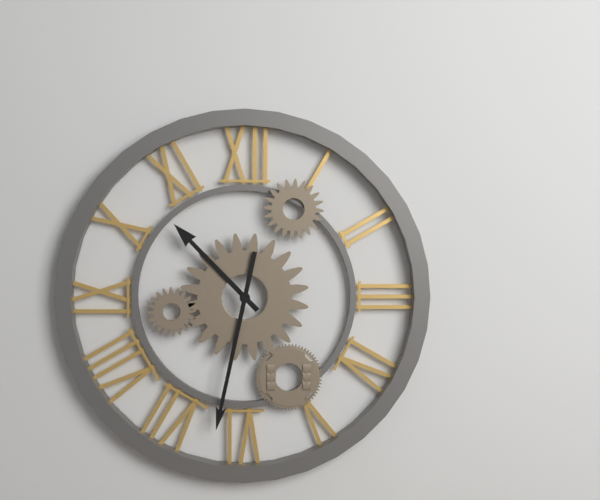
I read 10.32
